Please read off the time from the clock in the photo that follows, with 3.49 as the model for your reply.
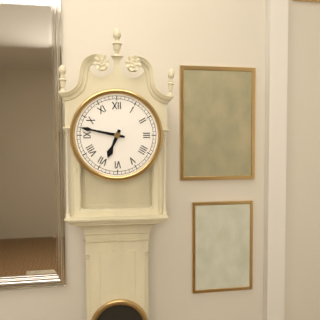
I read 6.47
